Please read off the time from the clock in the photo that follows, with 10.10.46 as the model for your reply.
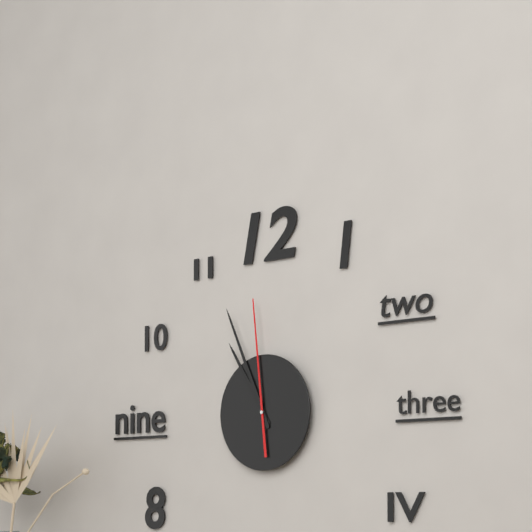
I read 10.56.59
